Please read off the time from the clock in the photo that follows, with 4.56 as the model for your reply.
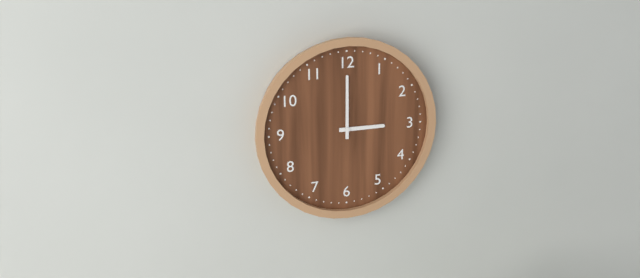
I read 3.00
